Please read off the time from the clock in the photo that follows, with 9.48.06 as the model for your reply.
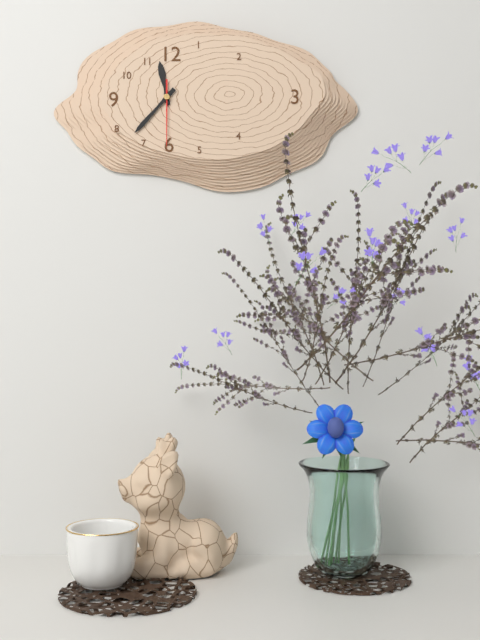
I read 11.37.30
